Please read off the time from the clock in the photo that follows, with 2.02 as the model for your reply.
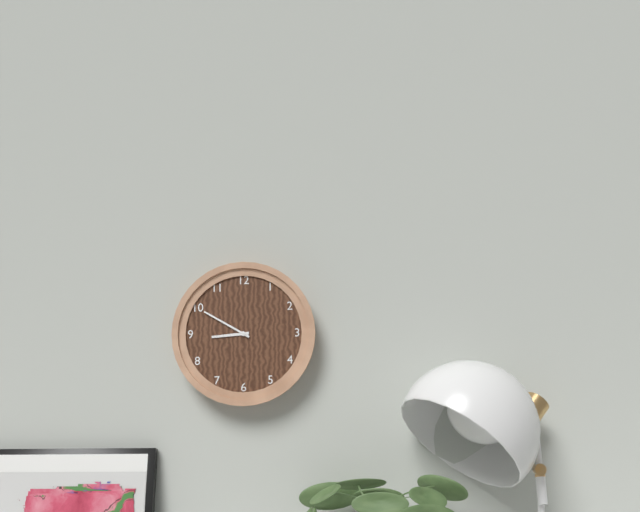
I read 8.50
